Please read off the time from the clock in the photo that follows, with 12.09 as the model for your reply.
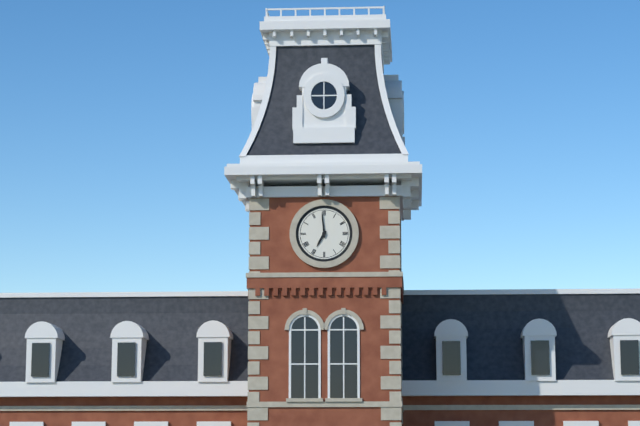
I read 6.59
